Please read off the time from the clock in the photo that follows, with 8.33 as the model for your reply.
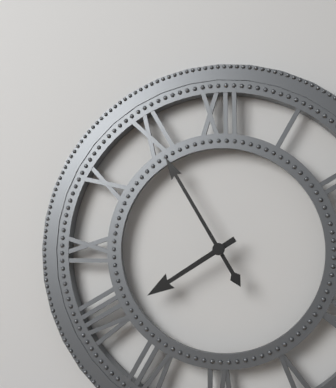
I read 7.55
